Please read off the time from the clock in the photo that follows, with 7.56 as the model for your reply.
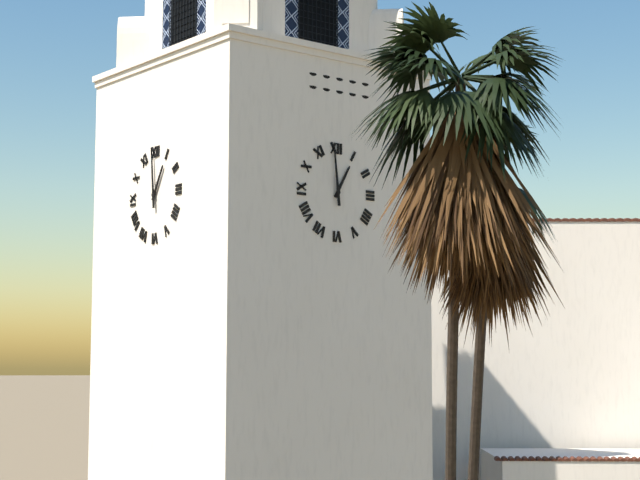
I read 12.59
